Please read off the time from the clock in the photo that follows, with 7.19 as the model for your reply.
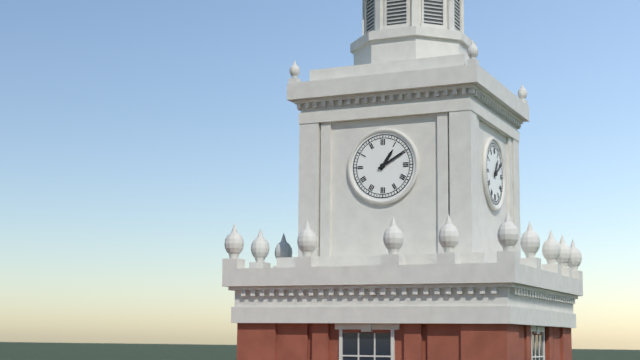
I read 1.10
